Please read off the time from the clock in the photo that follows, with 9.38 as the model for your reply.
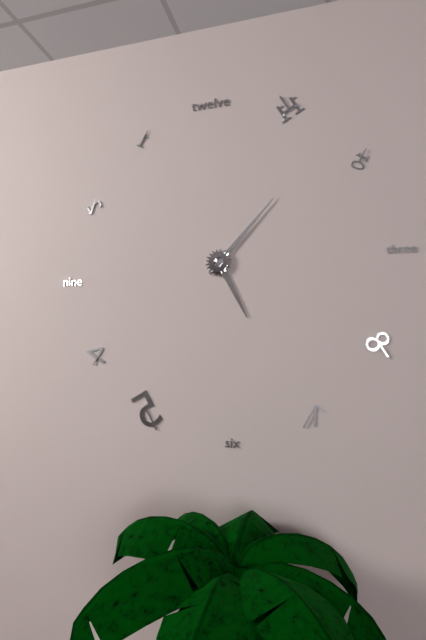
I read 5.07
